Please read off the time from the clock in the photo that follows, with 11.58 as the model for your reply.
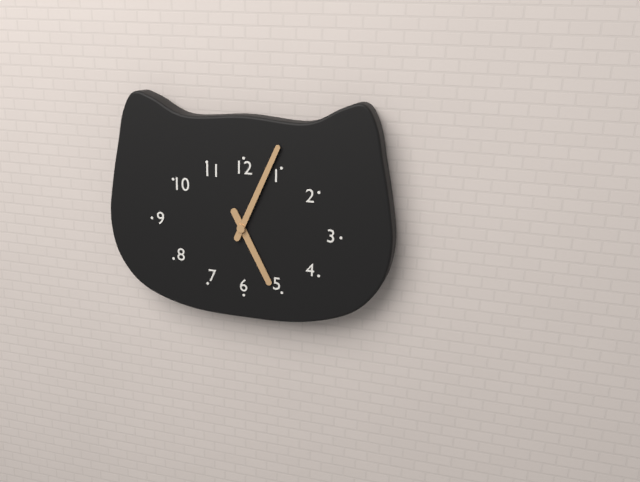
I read 5.04
